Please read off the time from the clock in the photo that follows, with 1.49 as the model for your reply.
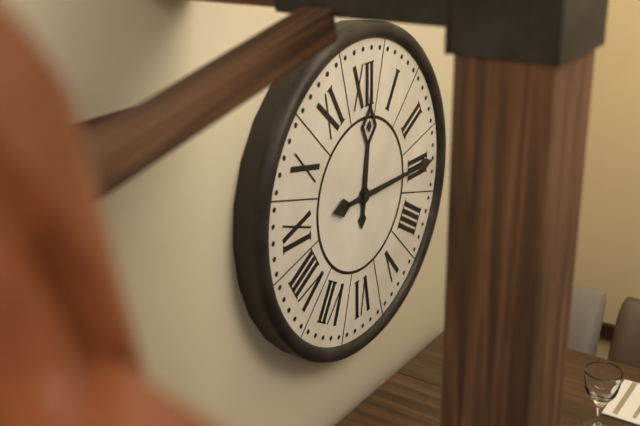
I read 12.15
